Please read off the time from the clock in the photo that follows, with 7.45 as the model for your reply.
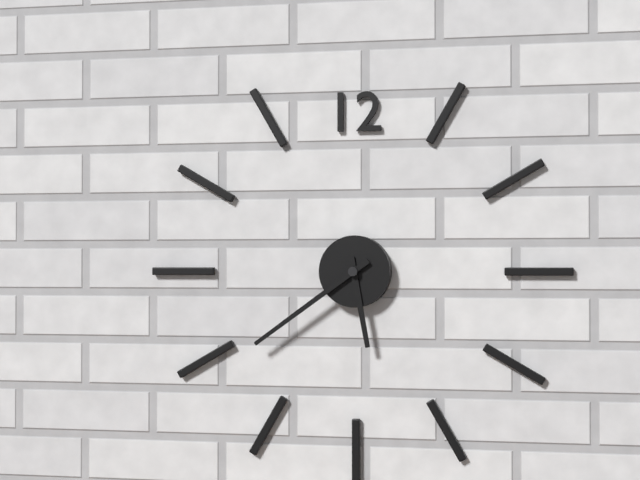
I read 5.39
